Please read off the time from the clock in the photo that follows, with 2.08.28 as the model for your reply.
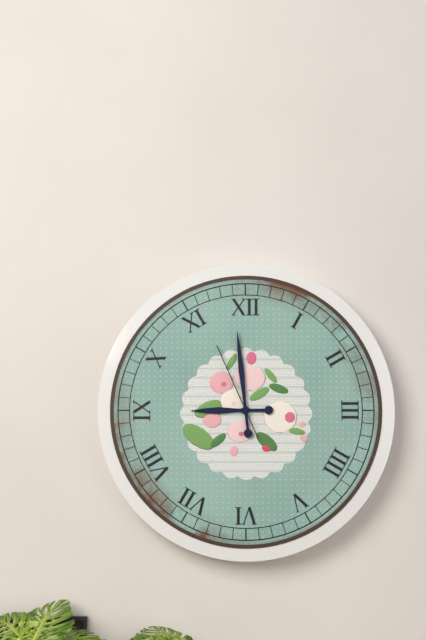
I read 8.59.56
